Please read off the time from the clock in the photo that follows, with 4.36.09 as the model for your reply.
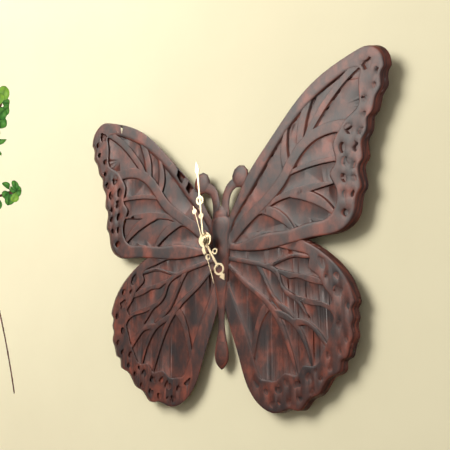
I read 4.59.27
